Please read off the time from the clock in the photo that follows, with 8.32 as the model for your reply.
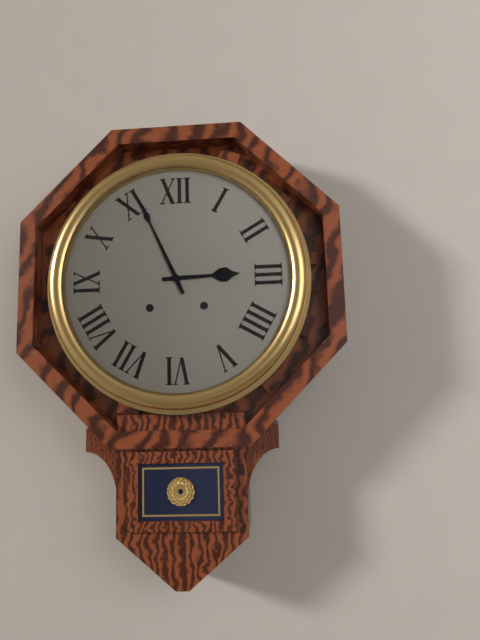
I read 2.56
